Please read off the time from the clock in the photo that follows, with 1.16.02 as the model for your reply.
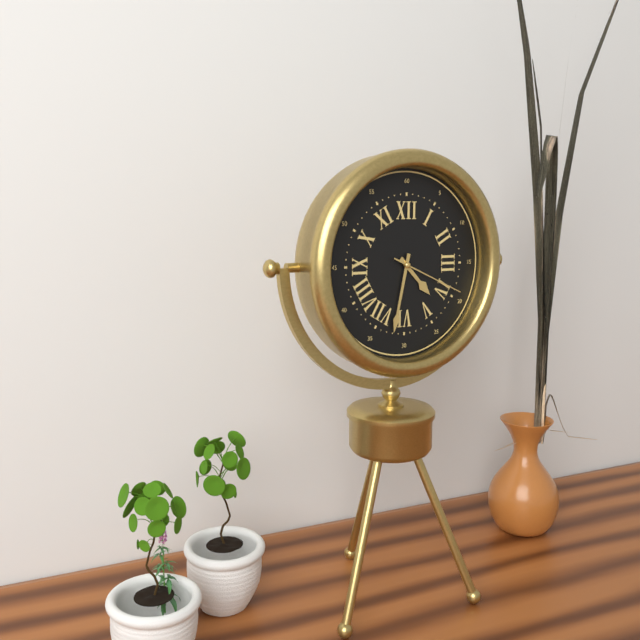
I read 4.32.19
